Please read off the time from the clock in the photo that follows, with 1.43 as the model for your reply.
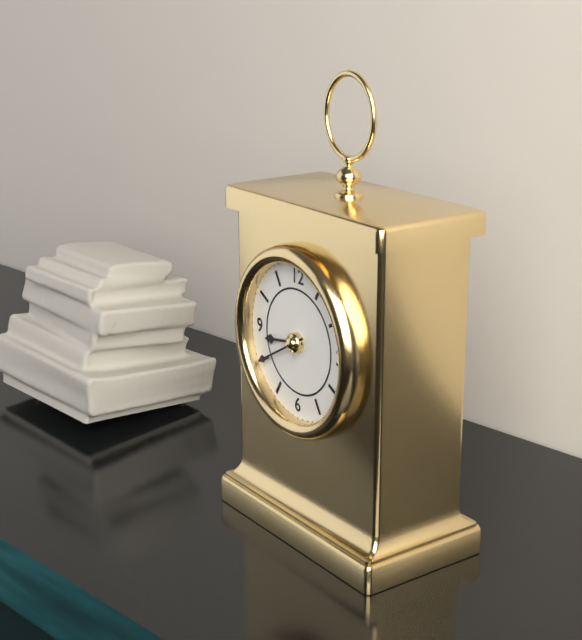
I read 8.40
